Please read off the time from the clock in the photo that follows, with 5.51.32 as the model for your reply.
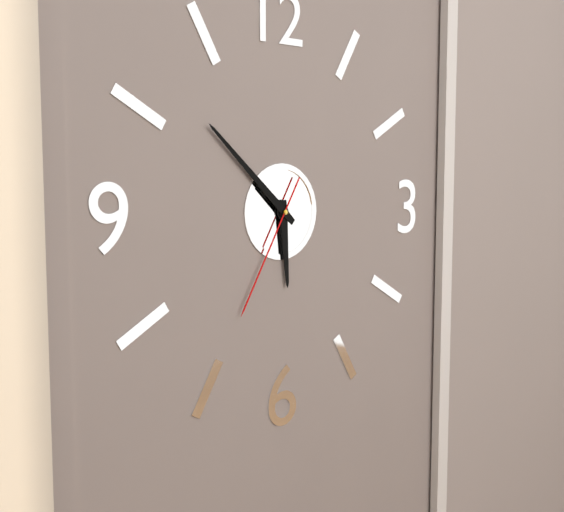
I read 5.52.35
